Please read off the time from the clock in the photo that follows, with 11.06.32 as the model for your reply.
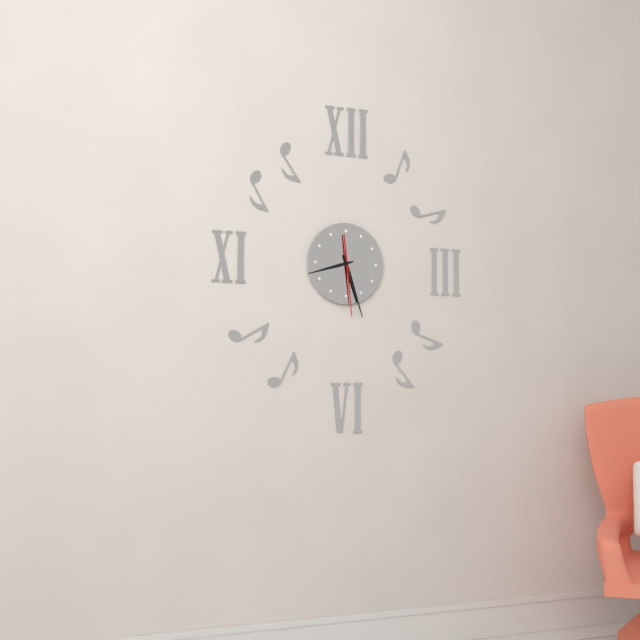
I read 8.27.29
